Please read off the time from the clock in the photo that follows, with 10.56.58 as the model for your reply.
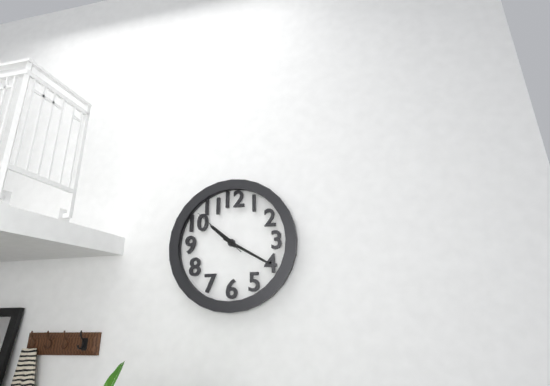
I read 10.20.52
